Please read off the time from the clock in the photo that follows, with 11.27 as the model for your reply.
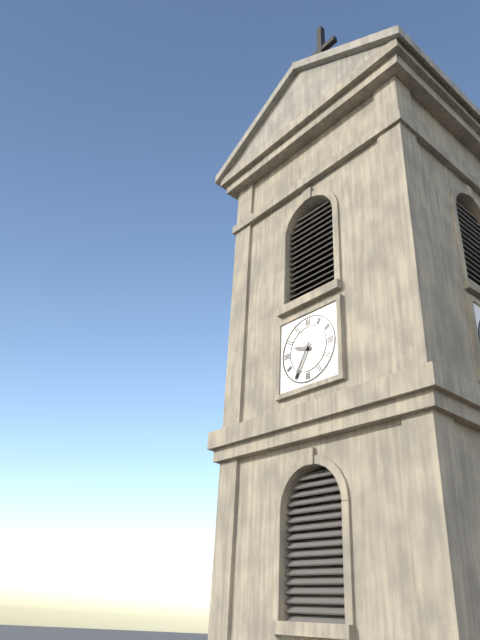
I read 9.35
